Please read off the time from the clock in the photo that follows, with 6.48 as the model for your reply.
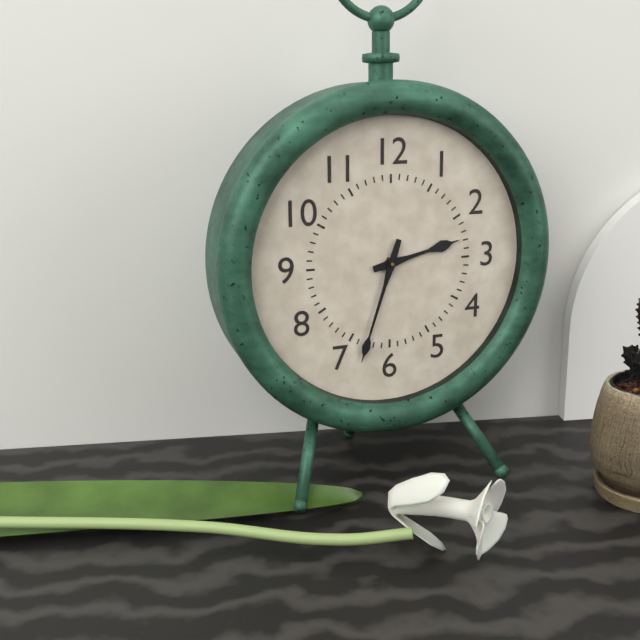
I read 2.33
